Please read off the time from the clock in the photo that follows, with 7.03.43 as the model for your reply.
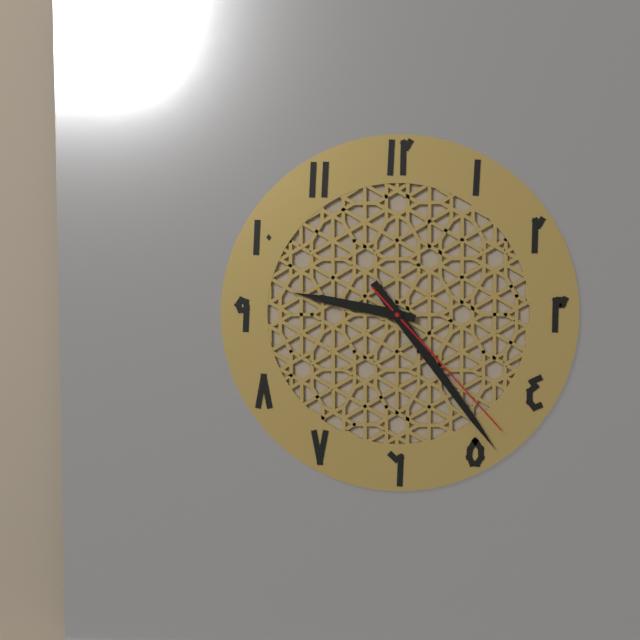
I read 9.24.23
